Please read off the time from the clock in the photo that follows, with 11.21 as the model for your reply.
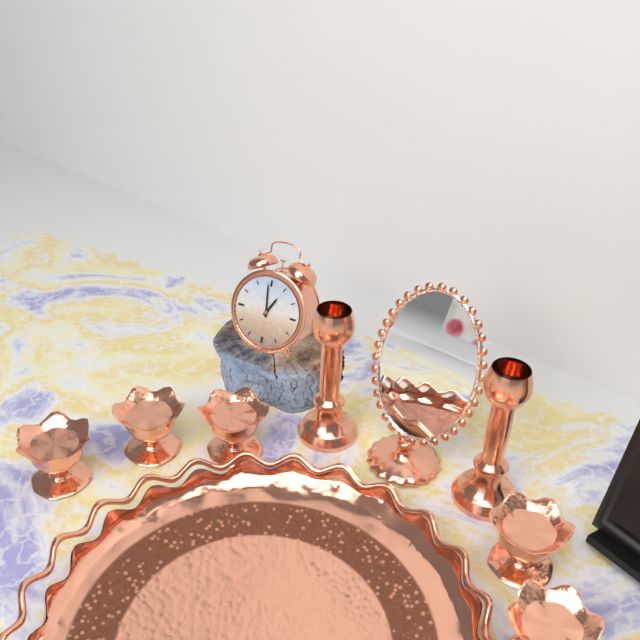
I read 12.59
